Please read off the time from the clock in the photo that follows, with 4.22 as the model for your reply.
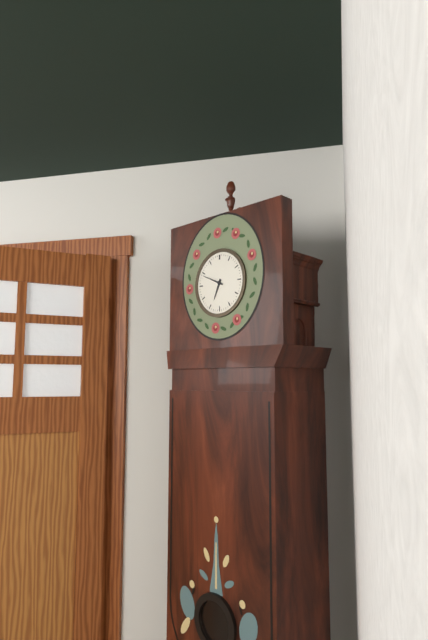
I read 6.49
